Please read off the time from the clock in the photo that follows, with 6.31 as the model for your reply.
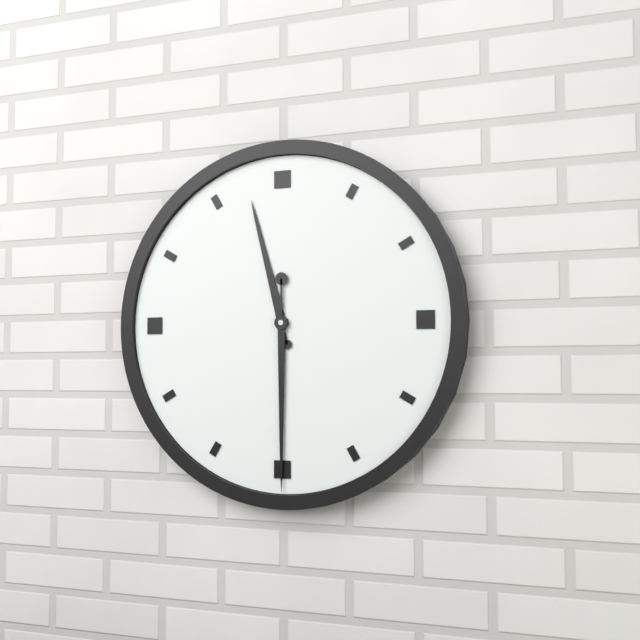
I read 11.30
